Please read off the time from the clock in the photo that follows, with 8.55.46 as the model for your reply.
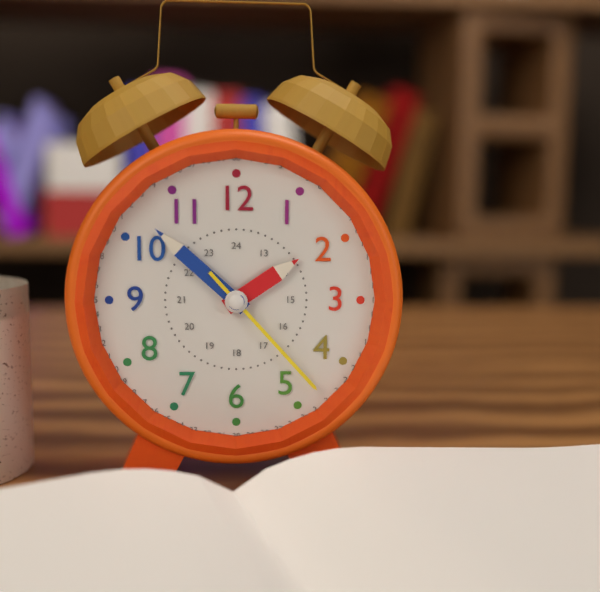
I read 1.52.23
